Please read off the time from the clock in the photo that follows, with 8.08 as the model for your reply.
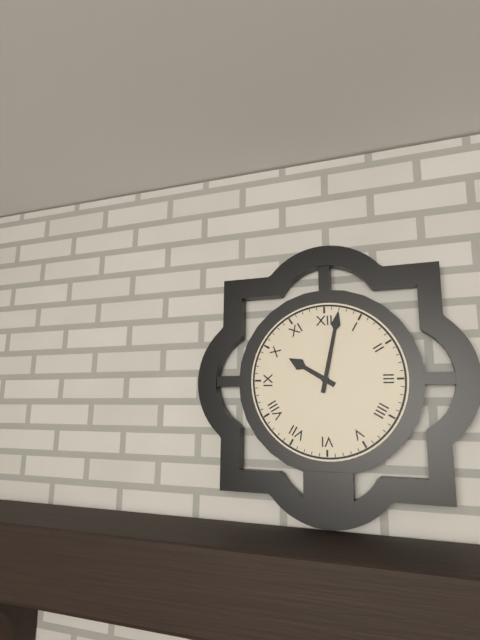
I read 10.02
